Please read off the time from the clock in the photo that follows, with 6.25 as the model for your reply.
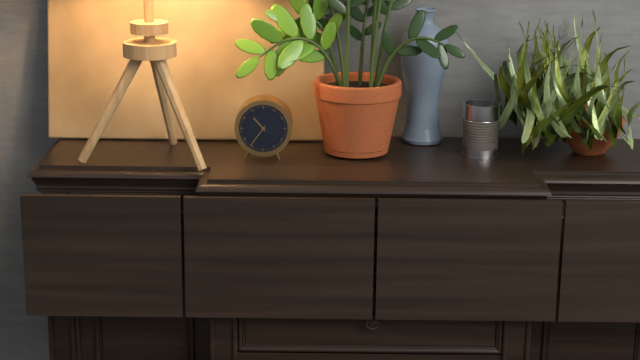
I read 10.36
